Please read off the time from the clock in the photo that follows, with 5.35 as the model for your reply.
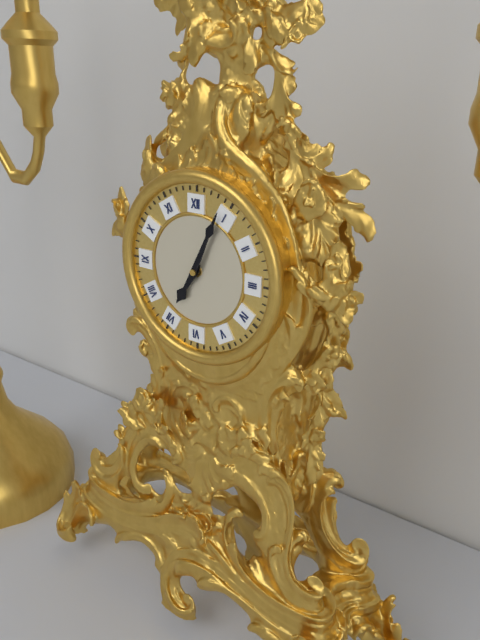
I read 7.04
